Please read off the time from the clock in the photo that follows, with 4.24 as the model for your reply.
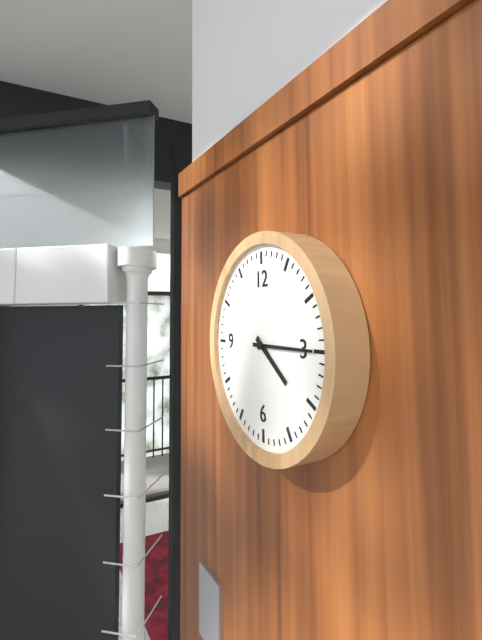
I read 4.15
